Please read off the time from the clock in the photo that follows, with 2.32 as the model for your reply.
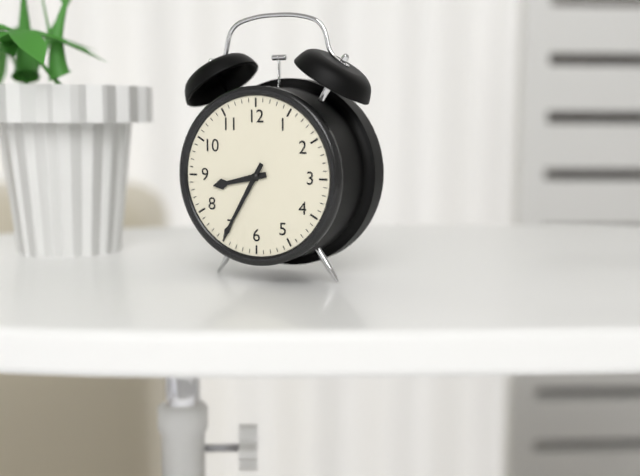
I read 8.35
